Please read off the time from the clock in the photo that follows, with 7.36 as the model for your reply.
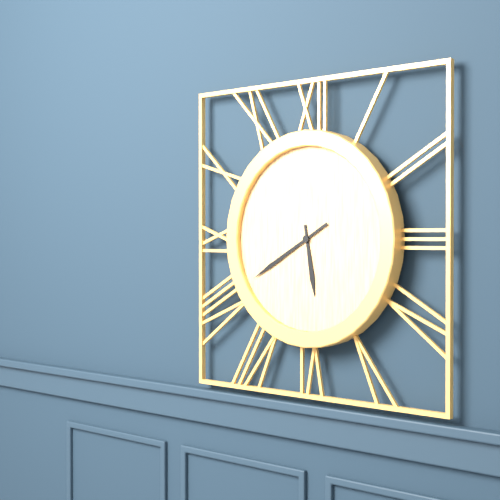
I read 5.40
